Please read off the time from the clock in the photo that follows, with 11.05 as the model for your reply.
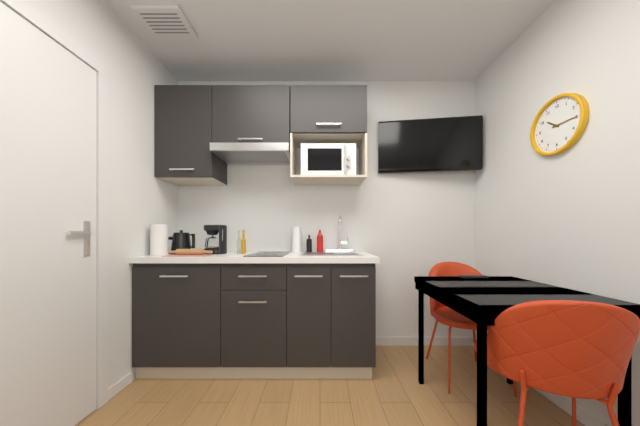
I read 10.15
